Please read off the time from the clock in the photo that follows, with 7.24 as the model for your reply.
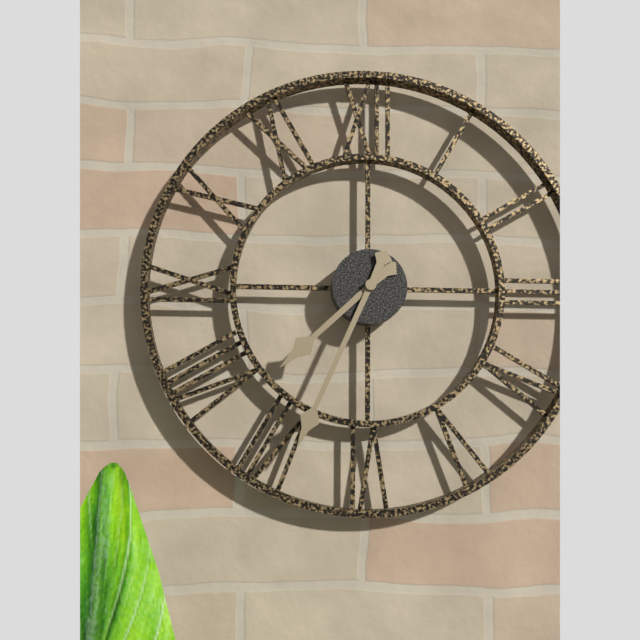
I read 7.34
